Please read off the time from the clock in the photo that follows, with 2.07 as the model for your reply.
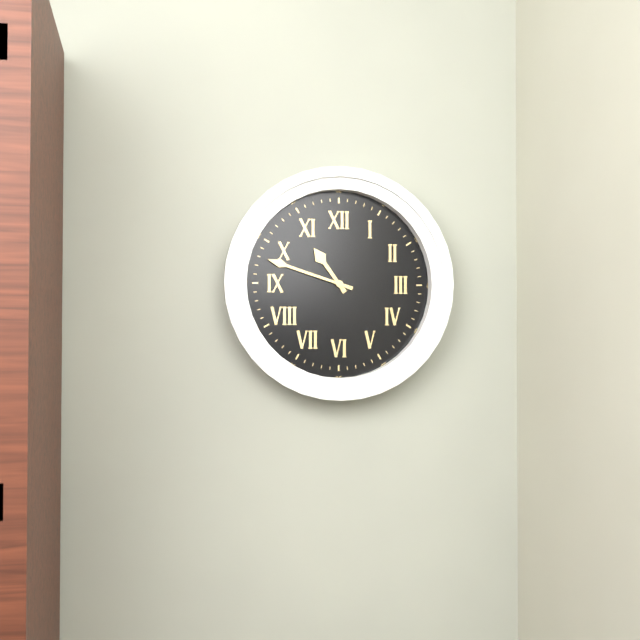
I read 10.48
